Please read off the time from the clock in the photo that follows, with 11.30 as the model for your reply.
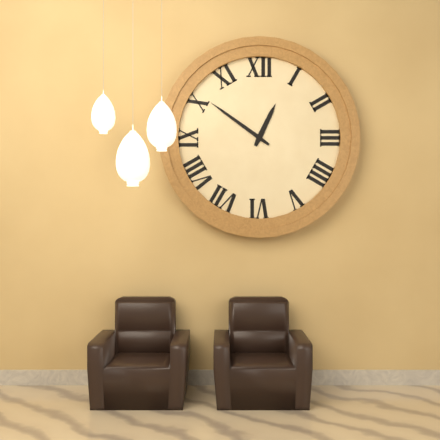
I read 12.51
